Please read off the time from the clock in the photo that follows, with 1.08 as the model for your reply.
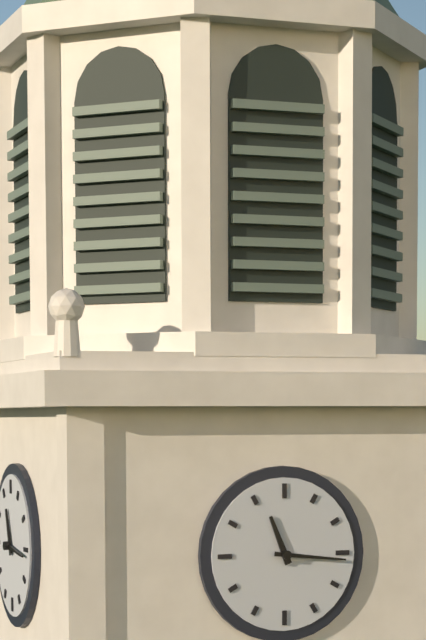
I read 11.16
